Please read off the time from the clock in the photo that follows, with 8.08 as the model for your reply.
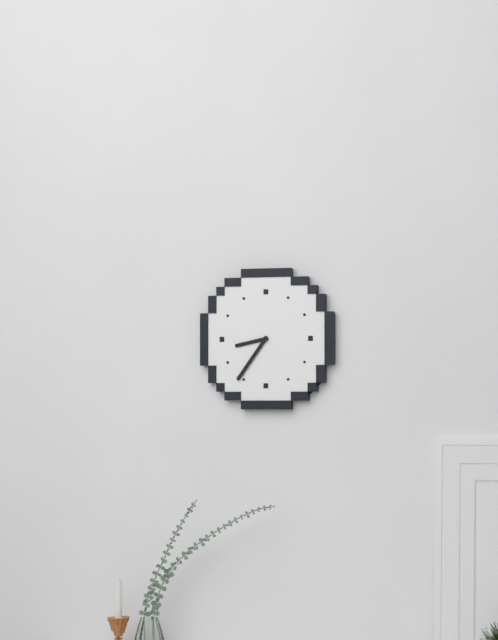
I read 8.36
